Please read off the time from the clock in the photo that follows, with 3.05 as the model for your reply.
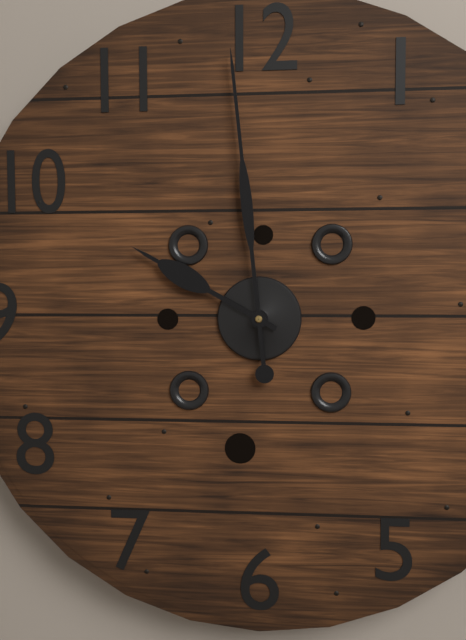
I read 9.59
